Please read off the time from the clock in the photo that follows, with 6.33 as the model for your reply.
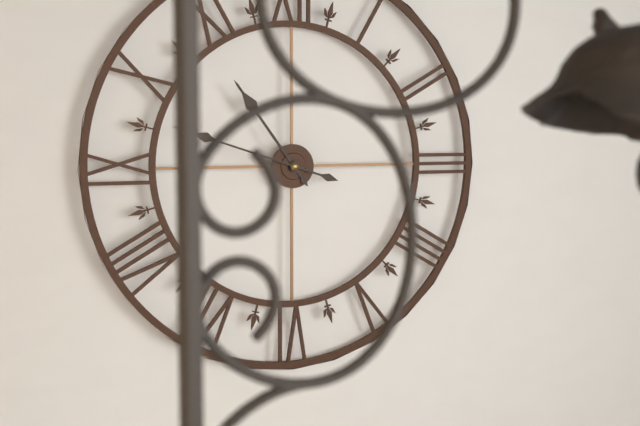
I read 10.48
